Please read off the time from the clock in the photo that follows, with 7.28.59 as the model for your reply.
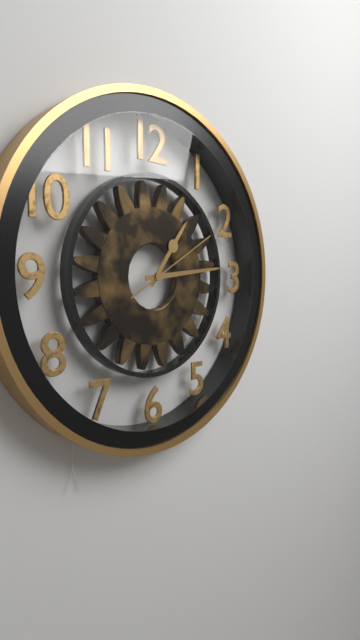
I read 1.14.10
